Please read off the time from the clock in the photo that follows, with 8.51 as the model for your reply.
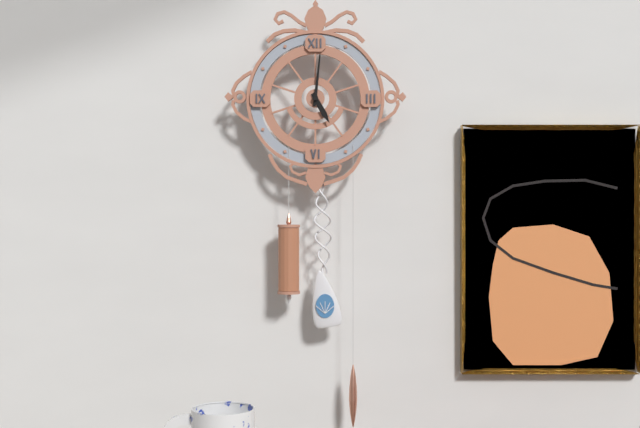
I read 5.01
